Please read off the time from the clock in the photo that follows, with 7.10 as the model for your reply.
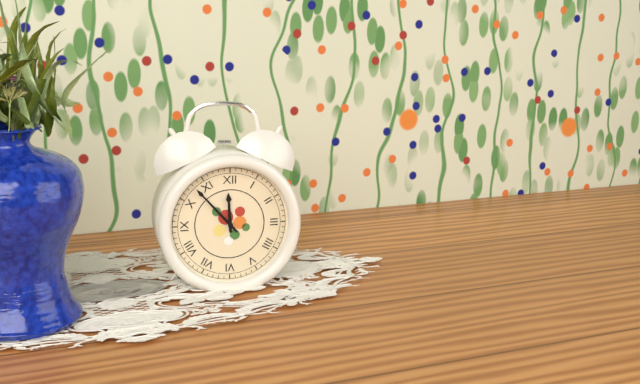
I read 11.53
